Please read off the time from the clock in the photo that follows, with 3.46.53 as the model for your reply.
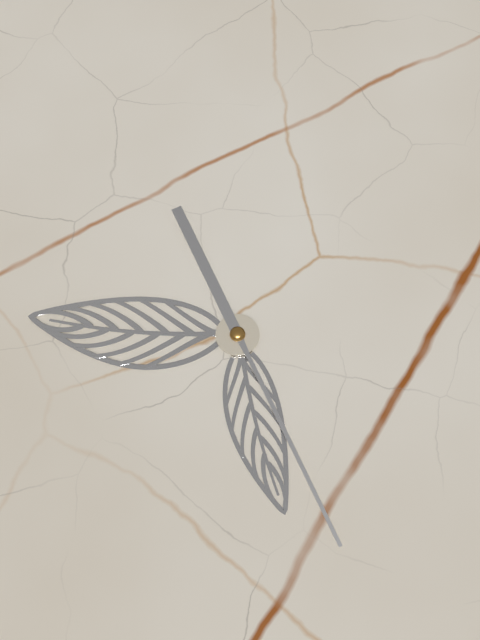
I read 10.09.49
